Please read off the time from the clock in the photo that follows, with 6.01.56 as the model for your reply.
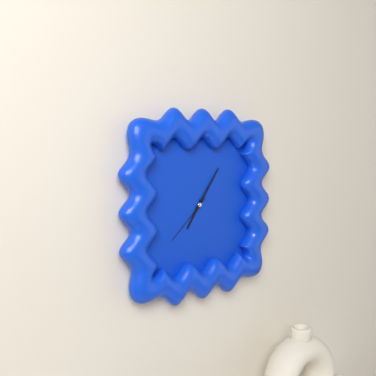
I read 7.06.38
